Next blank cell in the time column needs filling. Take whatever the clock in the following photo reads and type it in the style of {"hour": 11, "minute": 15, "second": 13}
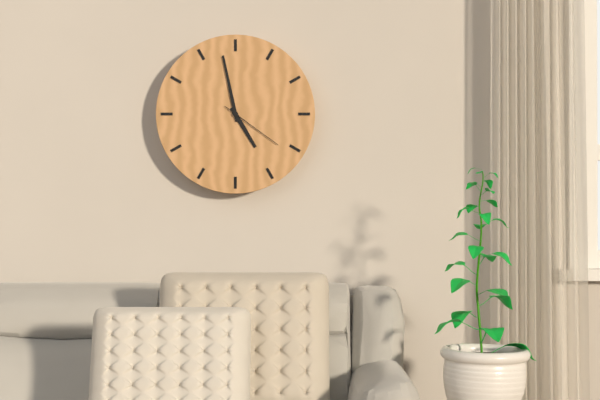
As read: {"hour": 4, "minute": 58, "second": 21}
